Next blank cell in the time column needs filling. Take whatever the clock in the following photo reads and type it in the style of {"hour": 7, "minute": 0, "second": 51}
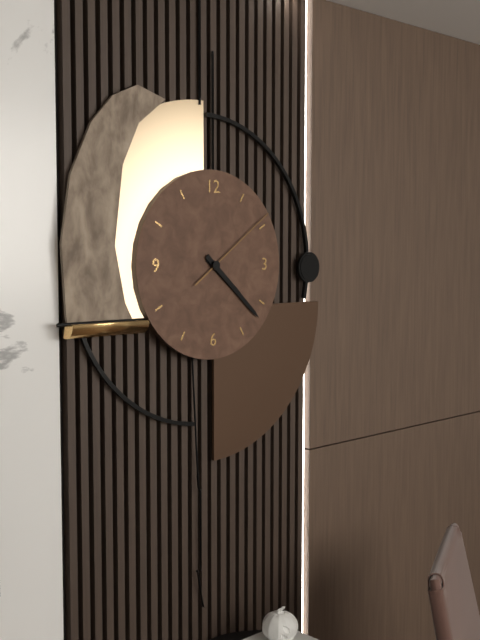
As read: {"hour": 4, "minute": 22, "second": 9}
